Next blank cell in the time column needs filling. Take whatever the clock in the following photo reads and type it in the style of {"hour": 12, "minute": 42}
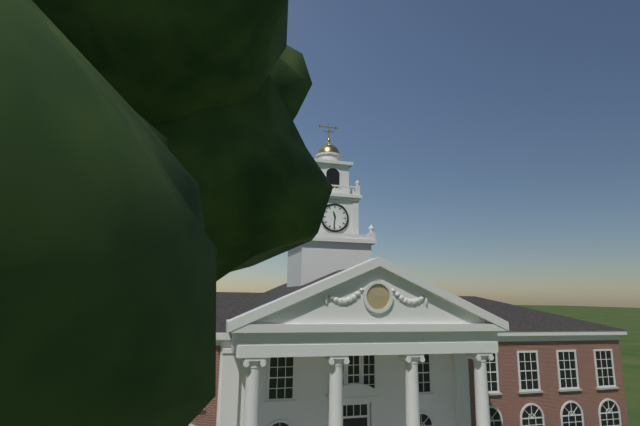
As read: {"hour": 11, "minute": 31}
